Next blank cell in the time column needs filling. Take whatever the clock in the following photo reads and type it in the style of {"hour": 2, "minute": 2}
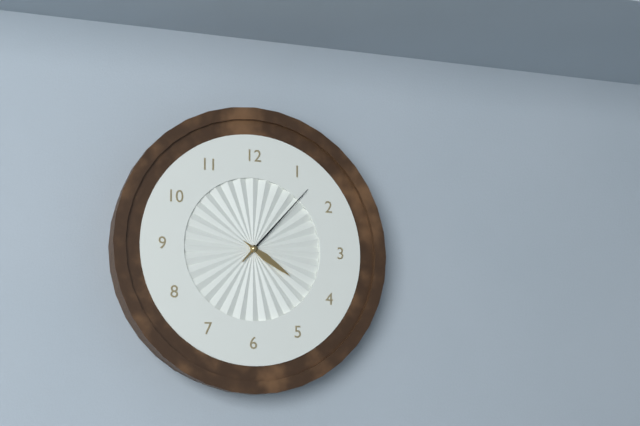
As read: {"hour": 4, "minute": 7}
